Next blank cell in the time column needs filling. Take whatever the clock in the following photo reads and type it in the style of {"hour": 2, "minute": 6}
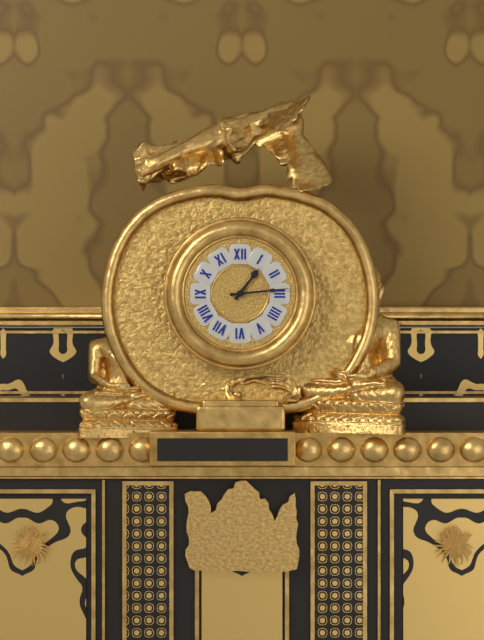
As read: {"hour": 1, "minute": 14}
